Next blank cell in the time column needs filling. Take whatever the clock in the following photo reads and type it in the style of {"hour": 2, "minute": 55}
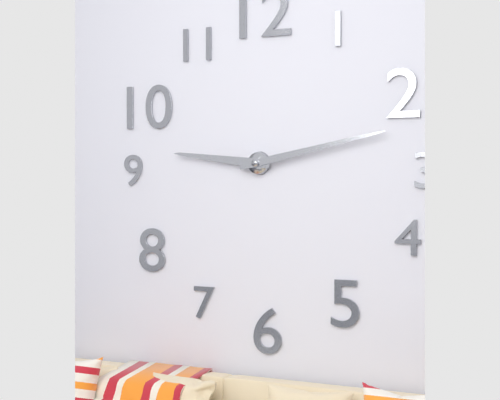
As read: {"hour": 9, "minute": 13}
